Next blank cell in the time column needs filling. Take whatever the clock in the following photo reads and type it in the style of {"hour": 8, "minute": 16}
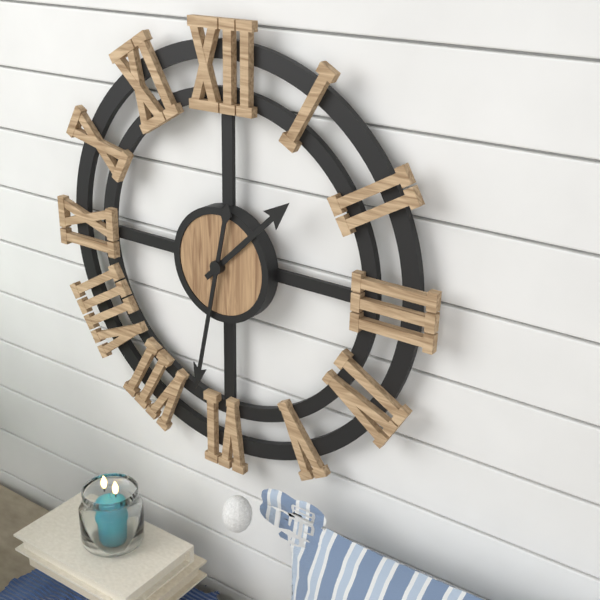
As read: {"hour": 1, "minute": 32}
